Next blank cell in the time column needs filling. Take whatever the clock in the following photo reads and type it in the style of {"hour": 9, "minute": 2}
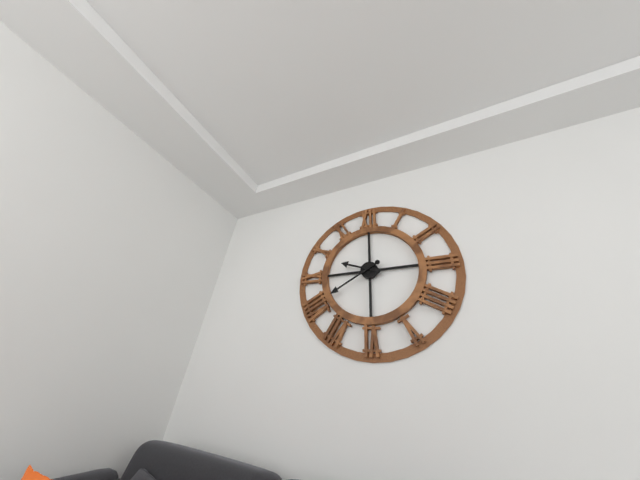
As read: {"hour": 9, "minute": 40}
